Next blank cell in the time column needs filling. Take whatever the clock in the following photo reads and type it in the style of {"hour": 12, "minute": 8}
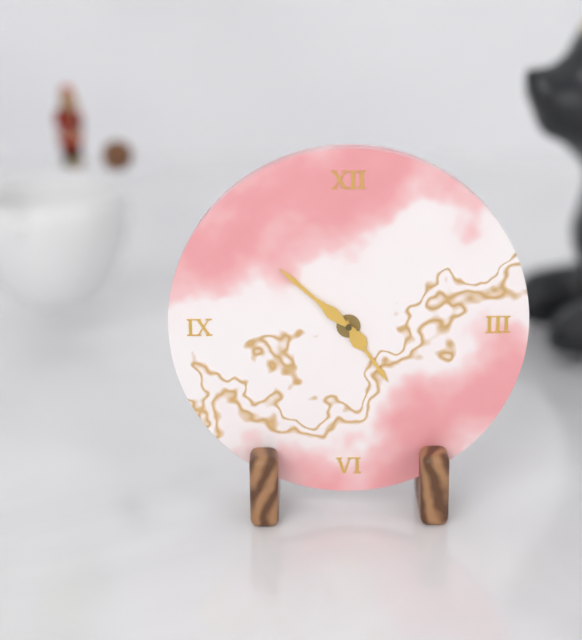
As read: {"hour": 4, "minute": 52}
